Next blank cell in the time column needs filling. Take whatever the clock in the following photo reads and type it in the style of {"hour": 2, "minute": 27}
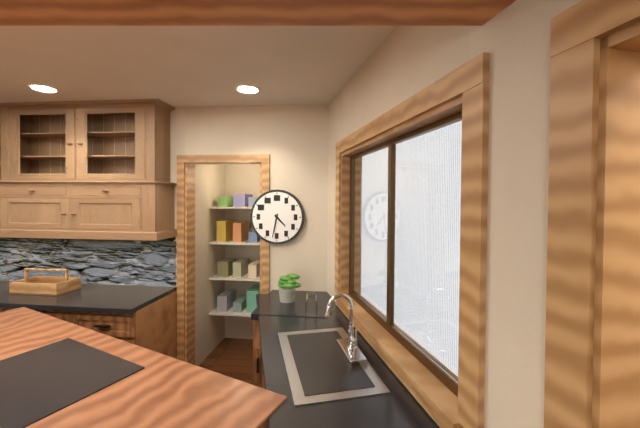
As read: {"hour": 4, "minute": 32}
